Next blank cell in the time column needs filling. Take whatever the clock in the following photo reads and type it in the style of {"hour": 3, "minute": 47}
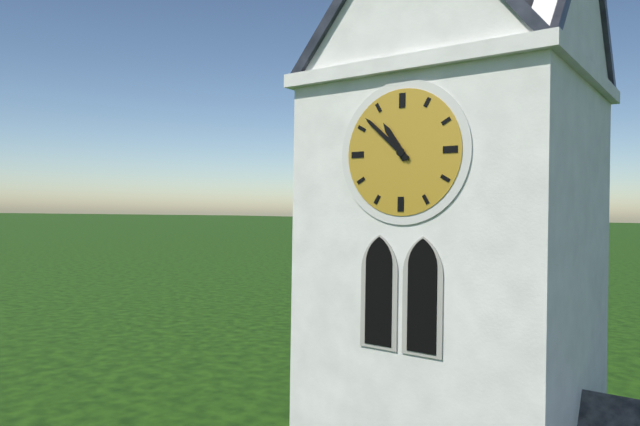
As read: {"hour": 10, "minute": 52}
